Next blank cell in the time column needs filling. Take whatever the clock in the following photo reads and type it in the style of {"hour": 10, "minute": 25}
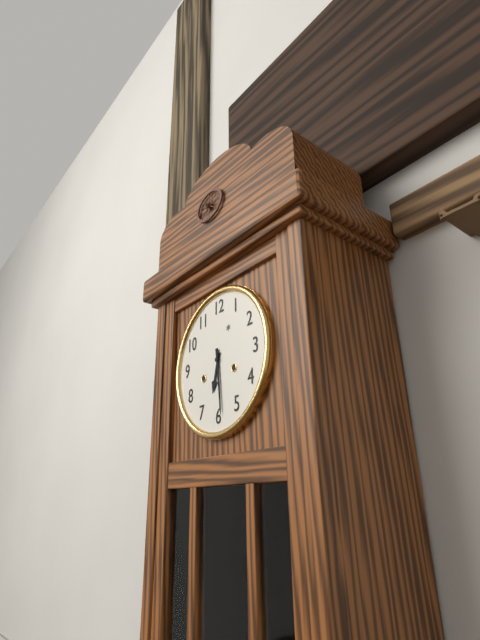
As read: {"hour": 6, "minute": 29}
